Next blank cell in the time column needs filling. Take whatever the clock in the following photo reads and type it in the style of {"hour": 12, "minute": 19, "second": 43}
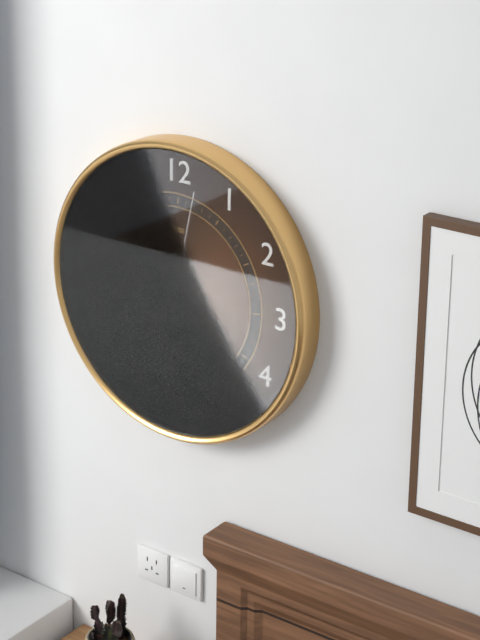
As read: {"hour": 5, "minute": 28, "second": 2}
